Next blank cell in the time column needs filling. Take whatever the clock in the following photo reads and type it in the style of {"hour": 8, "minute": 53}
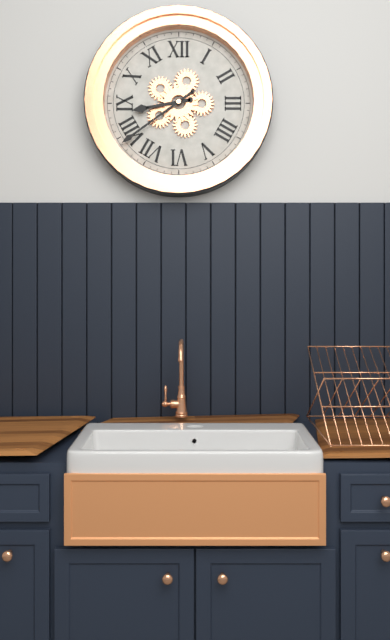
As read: {"hour": 8, "minute": 39}
